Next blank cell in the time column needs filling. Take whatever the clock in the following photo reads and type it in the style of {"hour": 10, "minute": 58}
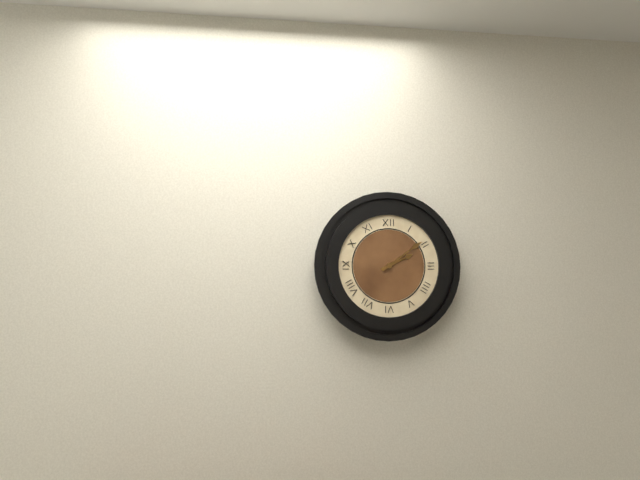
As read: {"hour": 2, "minute": 9}
